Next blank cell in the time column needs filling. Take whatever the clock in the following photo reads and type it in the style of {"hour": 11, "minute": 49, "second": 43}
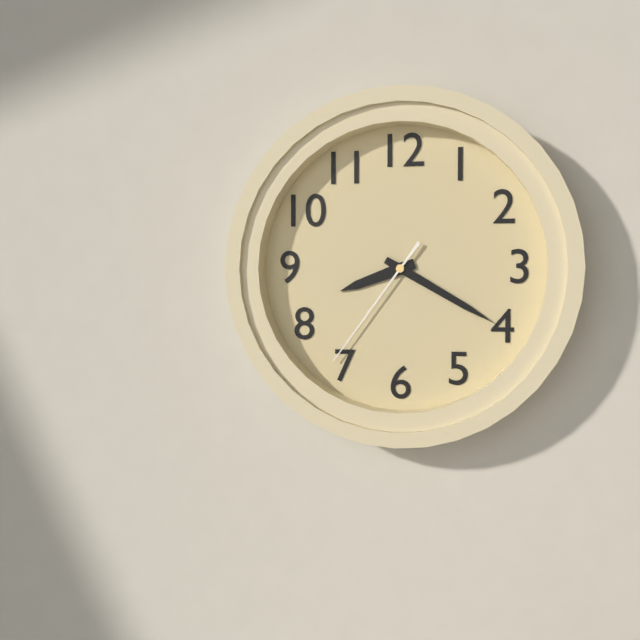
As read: {"hour": 8, "minute": 20, "second": 36}
